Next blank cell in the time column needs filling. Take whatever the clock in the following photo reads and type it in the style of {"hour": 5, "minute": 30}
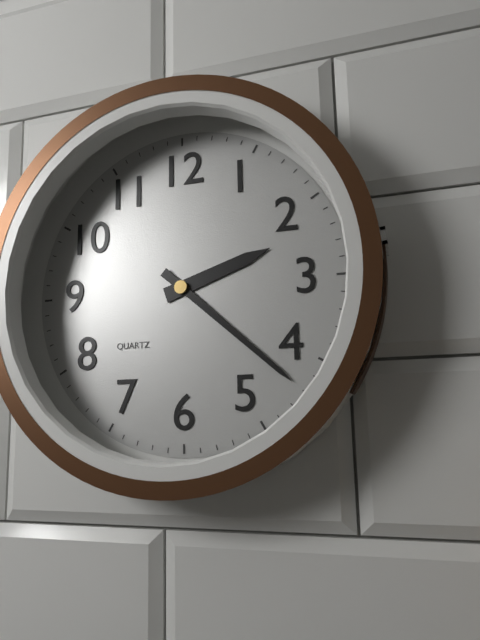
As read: {"hour": 2, "minute": 22}
